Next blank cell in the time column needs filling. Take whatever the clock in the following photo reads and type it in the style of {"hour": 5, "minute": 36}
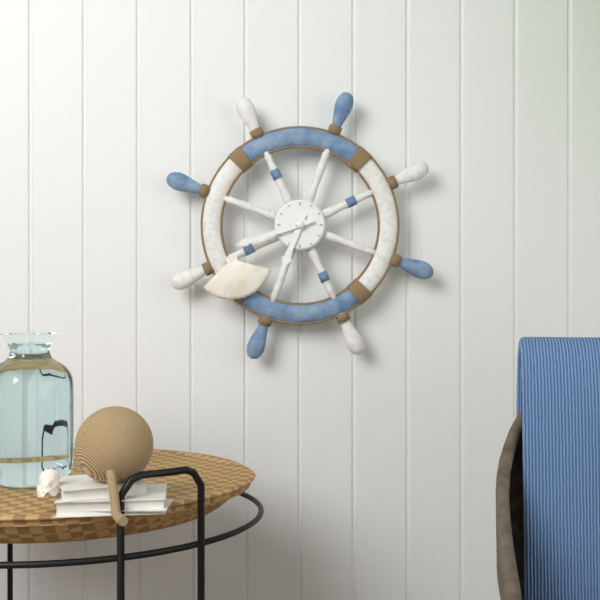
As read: {"hour": 6, "minute": 42}
